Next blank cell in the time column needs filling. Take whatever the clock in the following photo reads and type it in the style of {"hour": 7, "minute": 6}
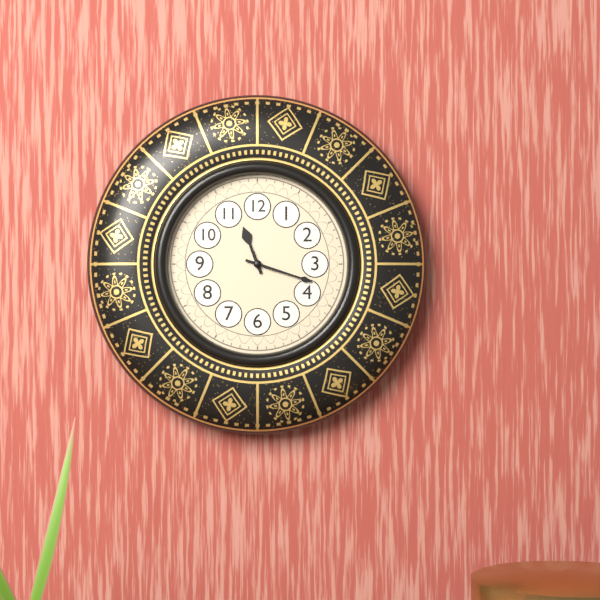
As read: {"hour": 11, "minute": 18}
